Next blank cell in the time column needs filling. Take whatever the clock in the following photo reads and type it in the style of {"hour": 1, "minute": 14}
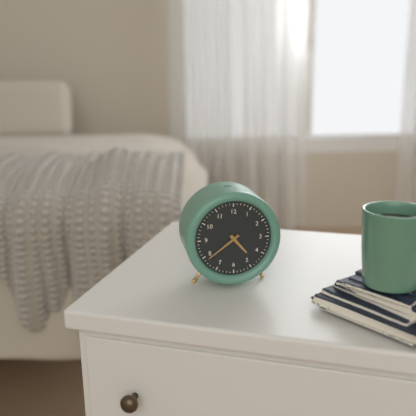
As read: {"hour": 4, "minute": 39}
